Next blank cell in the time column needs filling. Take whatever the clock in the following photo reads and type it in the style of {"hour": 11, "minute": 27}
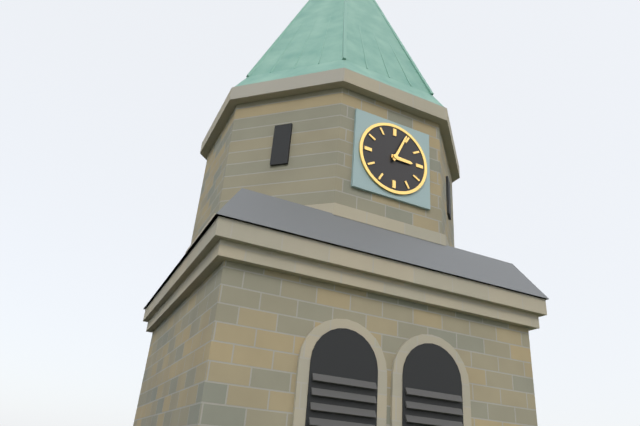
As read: {"hour": 3, "minute": 4}
